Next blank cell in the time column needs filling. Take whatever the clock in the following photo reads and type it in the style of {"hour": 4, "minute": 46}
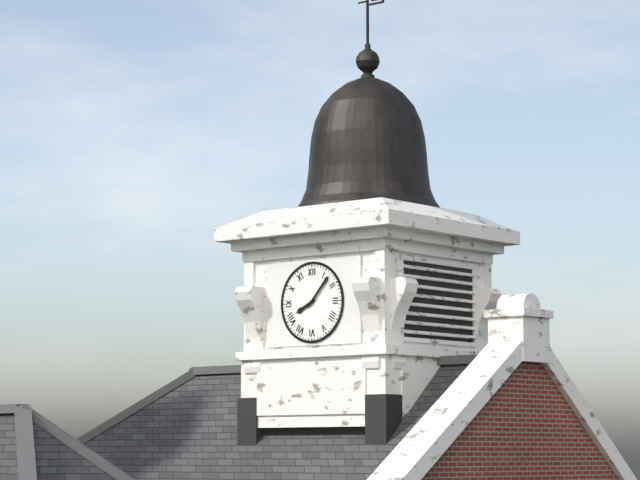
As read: {"hour": 8, "minute": 7}
